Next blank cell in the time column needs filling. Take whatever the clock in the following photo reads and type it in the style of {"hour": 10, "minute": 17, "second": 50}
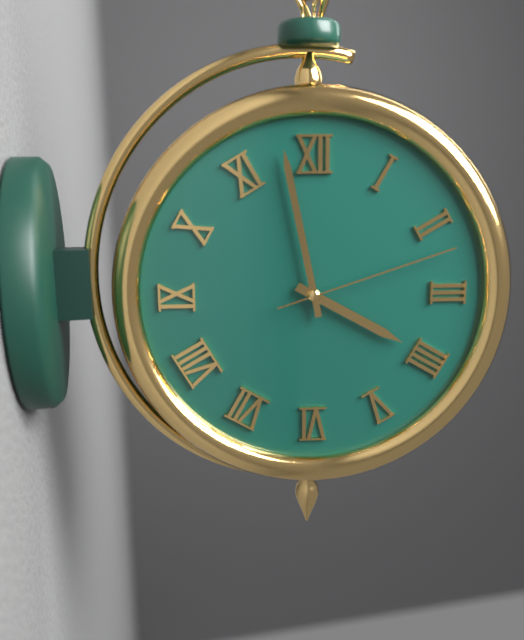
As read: {"hour": 3, "minute": 58, "second": 12}
